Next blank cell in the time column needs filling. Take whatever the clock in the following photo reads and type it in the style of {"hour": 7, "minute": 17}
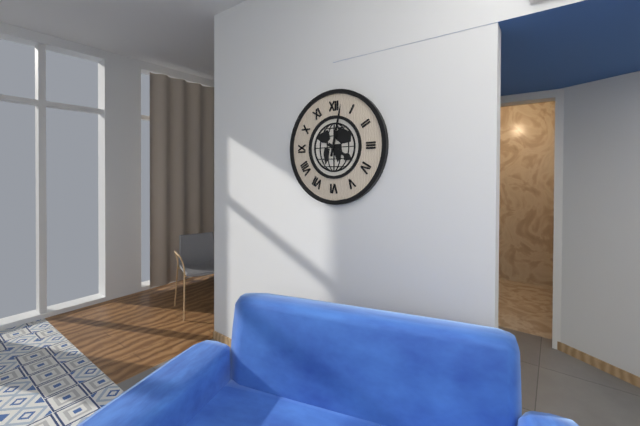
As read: {"hour": 4, "minute": 2}
